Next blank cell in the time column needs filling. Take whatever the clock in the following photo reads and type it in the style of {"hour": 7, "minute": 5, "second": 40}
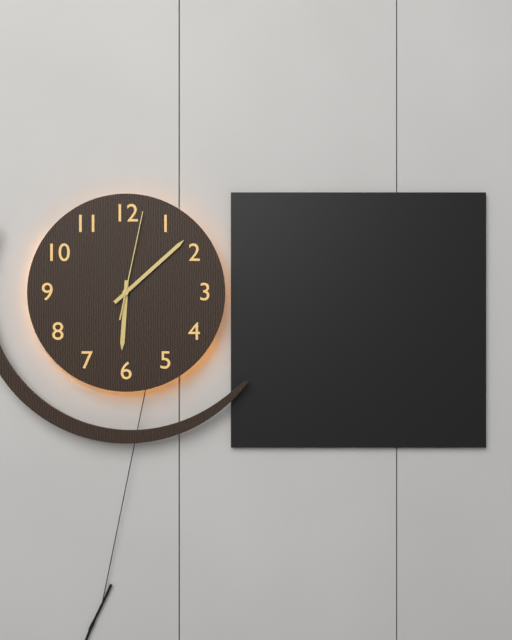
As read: {"hour": 6, "minute": 8, "second": 2}
